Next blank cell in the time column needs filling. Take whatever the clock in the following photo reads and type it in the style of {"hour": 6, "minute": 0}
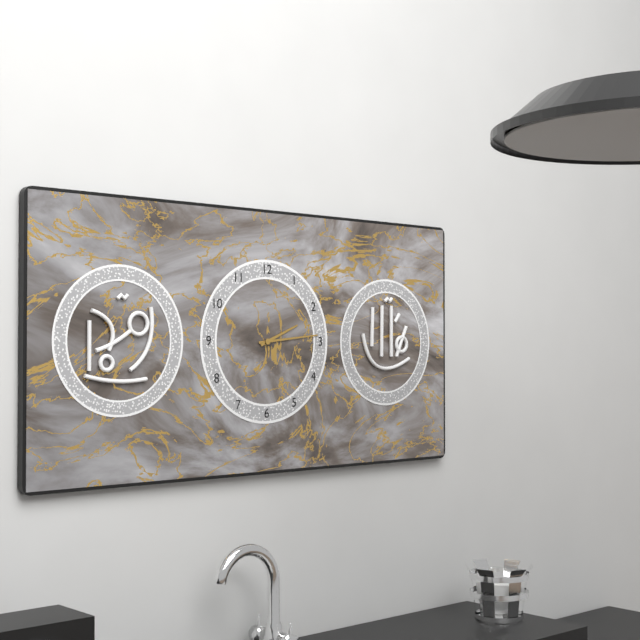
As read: {"hour": 2, "minute": 14}
